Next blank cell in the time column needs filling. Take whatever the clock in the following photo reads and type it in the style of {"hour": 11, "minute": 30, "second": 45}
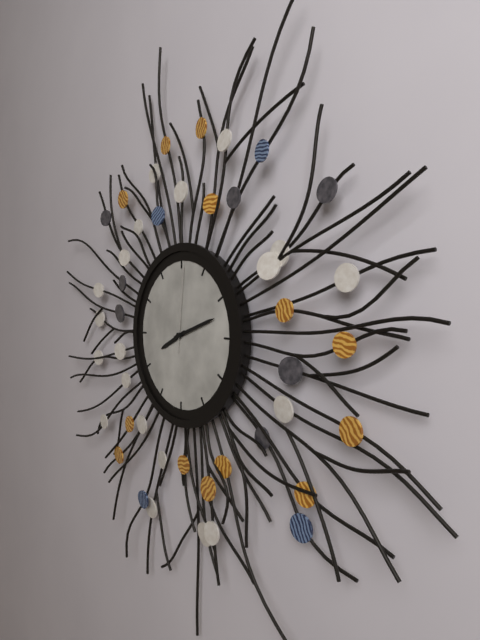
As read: {"hour": 8, "minute": 12, "second": 1}
